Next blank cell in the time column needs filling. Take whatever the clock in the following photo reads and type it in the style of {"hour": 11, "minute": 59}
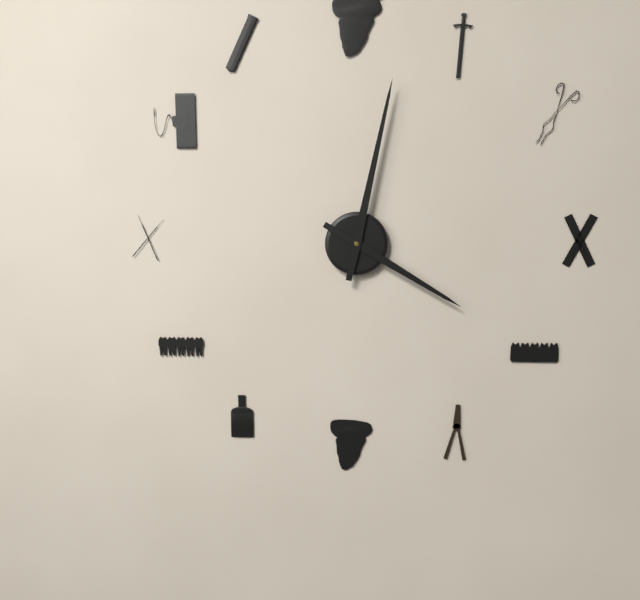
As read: {"hour": 4, "minute": 2}
